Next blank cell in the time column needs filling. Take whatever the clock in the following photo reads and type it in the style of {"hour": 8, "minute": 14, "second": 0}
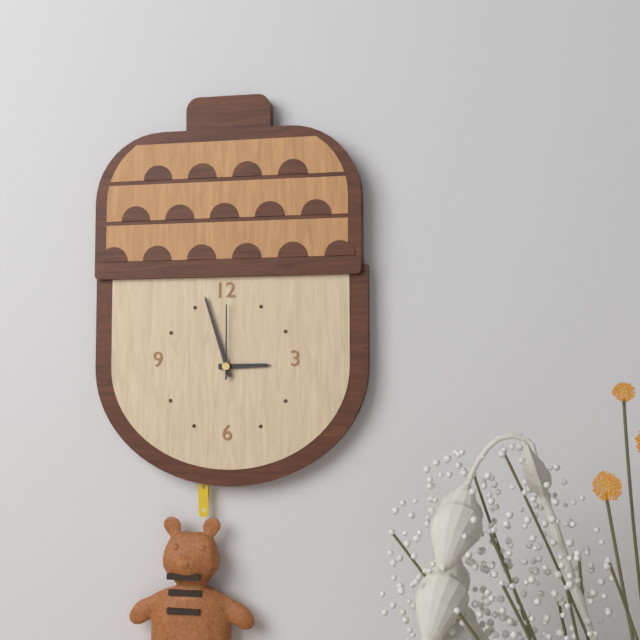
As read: {"hour": 2, "minute": 57, "second": 0}
